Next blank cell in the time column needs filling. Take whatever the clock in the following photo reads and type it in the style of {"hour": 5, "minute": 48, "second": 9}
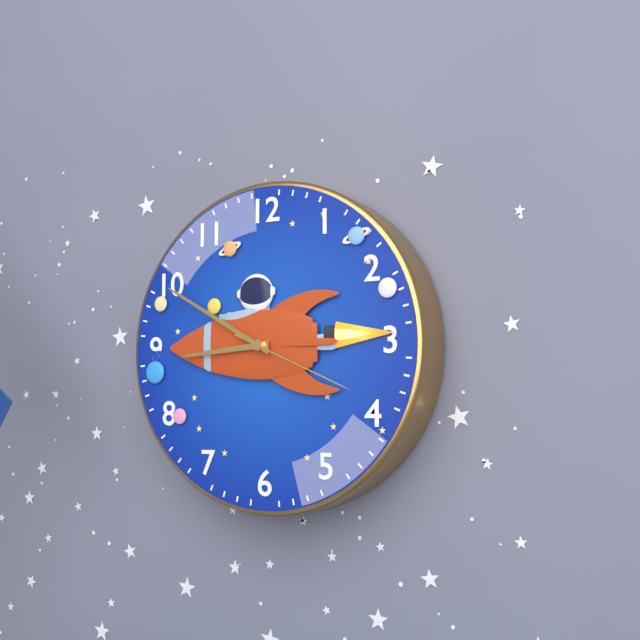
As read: {"hour": 8, "minute": 50, "second": 19}
